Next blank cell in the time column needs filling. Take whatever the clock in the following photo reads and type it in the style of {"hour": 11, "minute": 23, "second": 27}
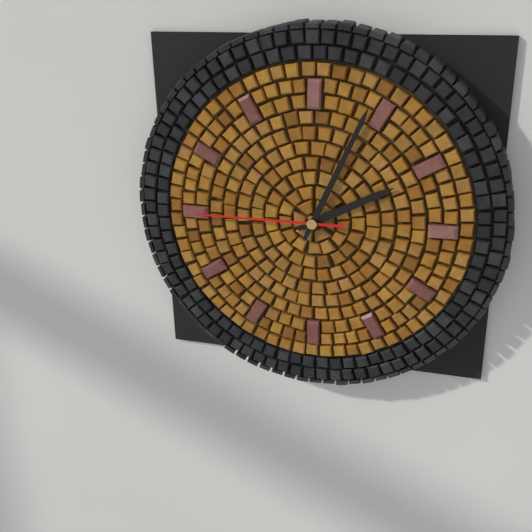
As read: {"hour": 2, "minute": 4, "second": 45}
